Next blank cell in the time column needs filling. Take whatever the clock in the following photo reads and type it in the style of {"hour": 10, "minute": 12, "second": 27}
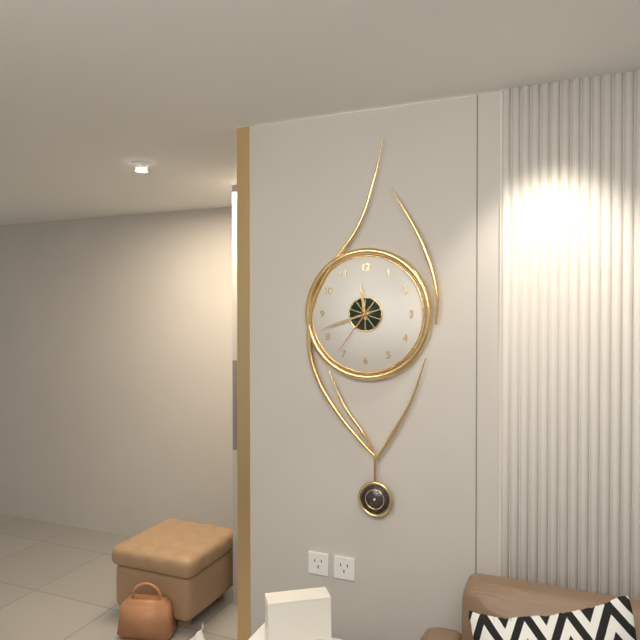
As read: {"hour": 11, "minute": 42, "second": 36}
